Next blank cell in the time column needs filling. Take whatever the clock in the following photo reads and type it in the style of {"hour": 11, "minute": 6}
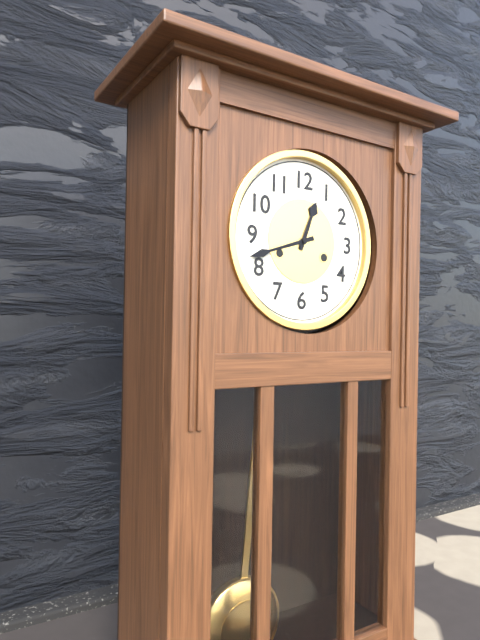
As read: {"hour": 12, "minute": 42}
